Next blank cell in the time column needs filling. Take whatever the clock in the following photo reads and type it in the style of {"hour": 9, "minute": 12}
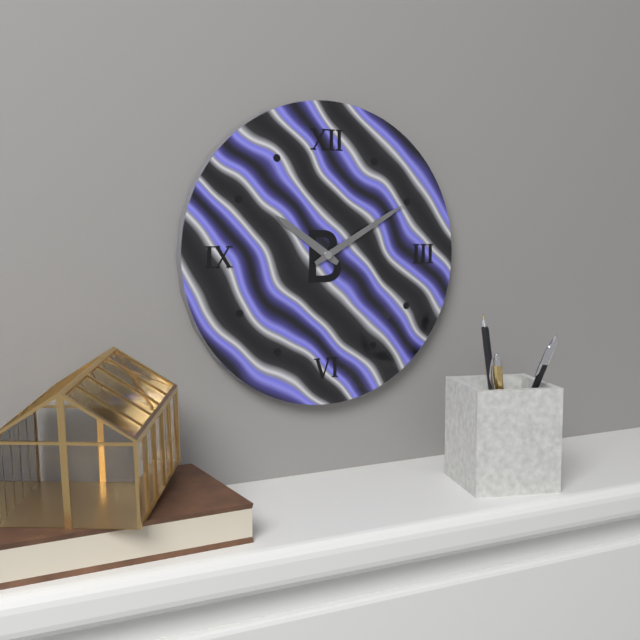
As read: {"hour": 10, "minute": 10}
